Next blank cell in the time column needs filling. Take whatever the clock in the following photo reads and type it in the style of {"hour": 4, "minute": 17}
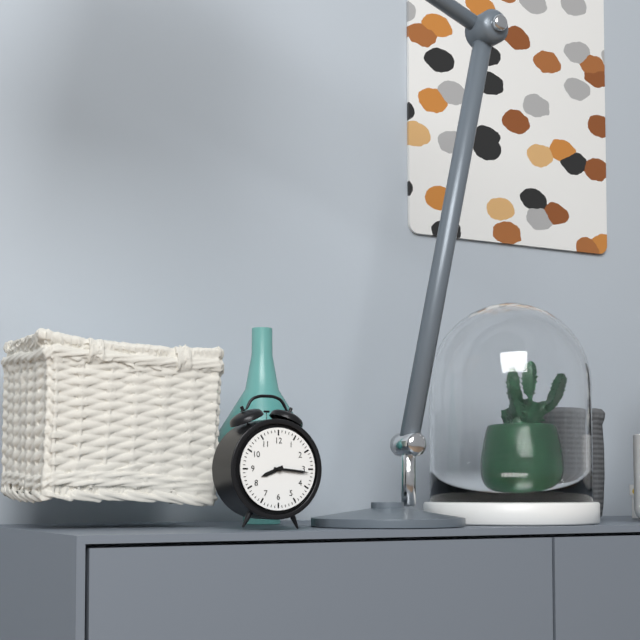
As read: {"hour": 8, "minute": 16}
